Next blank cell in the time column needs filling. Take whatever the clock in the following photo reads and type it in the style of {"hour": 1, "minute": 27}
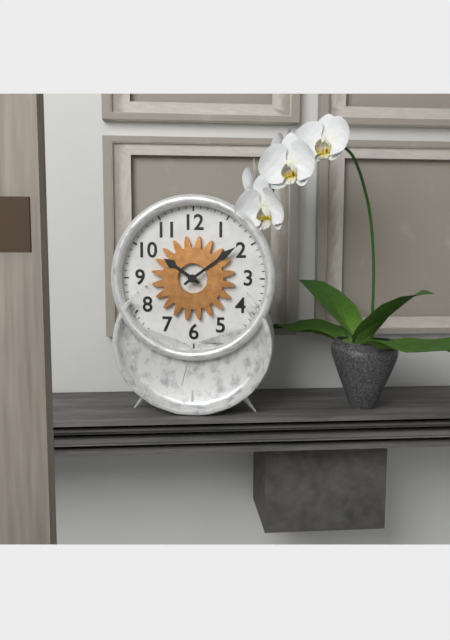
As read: {"hour": 10, "minute": 9}
